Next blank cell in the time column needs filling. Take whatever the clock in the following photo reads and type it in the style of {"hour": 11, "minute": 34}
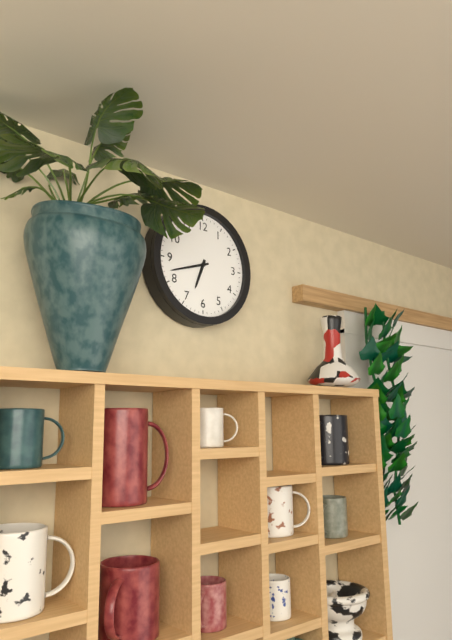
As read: {"hour": 6, "minute": 42}
